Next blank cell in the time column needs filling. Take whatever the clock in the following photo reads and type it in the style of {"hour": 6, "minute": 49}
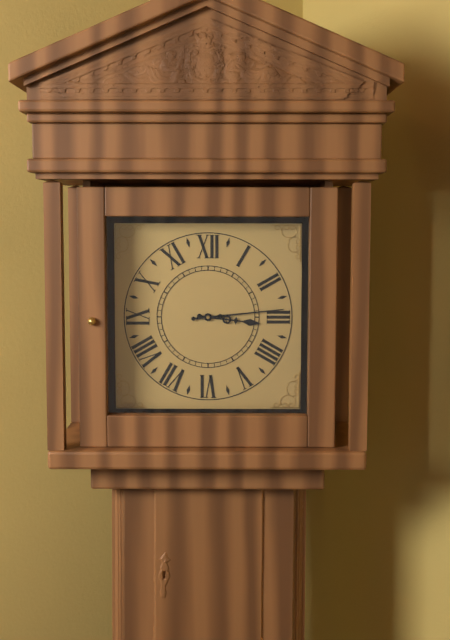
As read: {"hour": 3, "minute": 14}
